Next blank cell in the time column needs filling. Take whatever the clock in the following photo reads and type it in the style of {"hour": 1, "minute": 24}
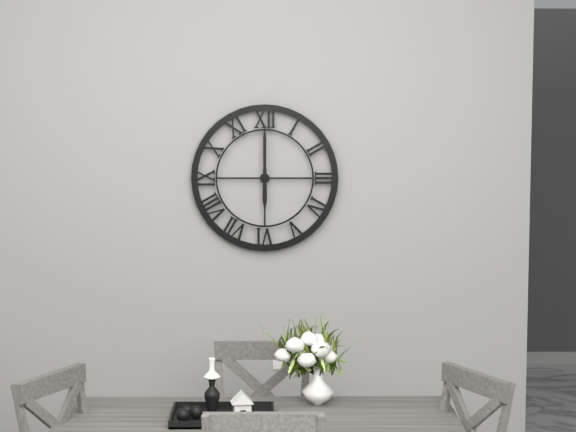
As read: {"hour": 6, "minute": 0}
